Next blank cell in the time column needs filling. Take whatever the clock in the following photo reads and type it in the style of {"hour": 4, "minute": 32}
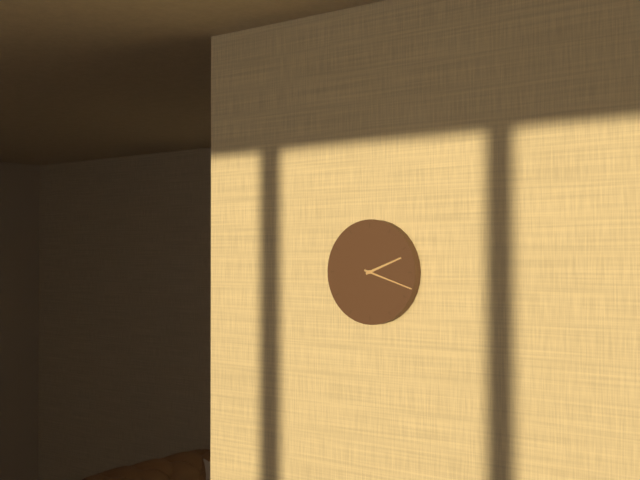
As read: {"hour": 2, "minute": 18}
